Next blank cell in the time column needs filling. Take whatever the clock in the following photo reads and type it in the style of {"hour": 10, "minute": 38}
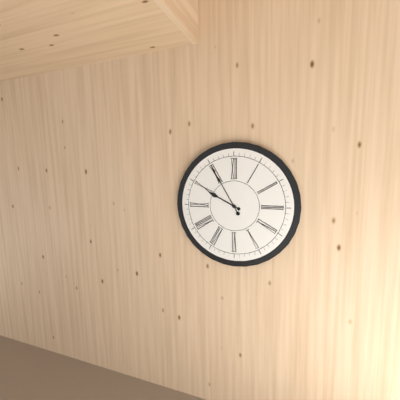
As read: {"hour": 9, "minute": 55}
